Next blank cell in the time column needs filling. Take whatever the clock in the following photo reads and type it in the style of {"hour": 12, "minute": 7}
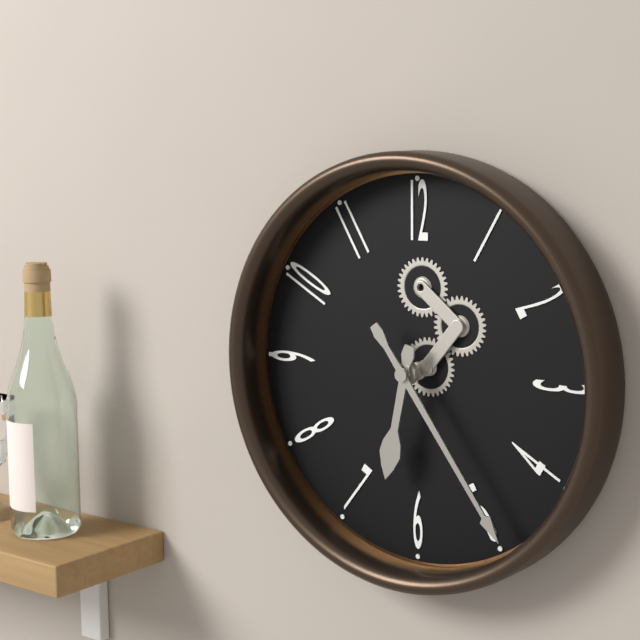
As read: {"hour": 6, "minute": 24}
